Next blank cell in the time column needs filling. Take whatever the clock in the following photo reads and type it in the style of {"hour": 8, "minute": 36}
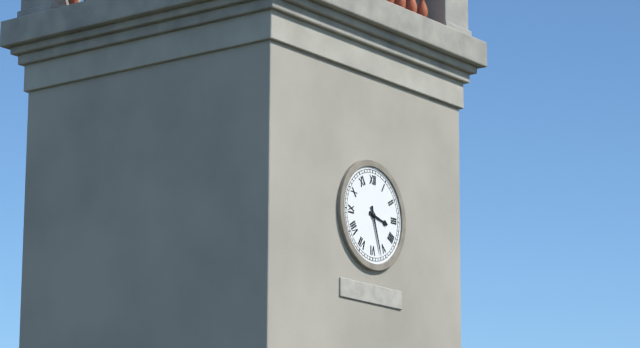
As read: {"hour": 3, "minute": 27}
